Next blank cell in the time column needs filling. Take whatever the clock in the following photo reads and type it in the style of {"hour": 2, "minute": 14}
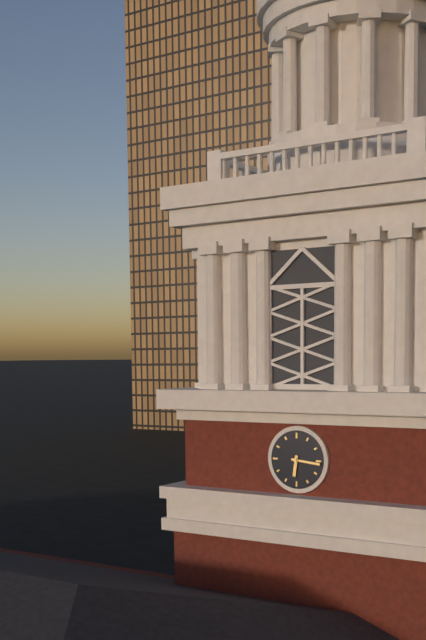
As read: {"hour": 6, "minute": 16}
